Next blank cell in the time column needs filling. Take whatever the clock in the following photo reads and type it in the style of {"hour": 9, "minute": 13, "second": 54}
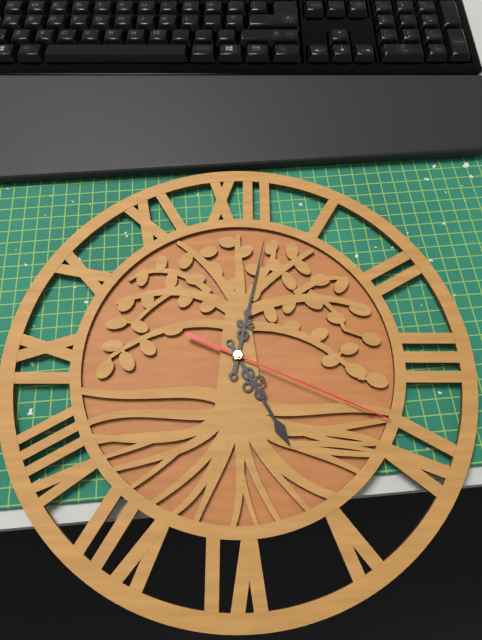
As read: {"hour": 5, "minute": 2, "second": 19}
